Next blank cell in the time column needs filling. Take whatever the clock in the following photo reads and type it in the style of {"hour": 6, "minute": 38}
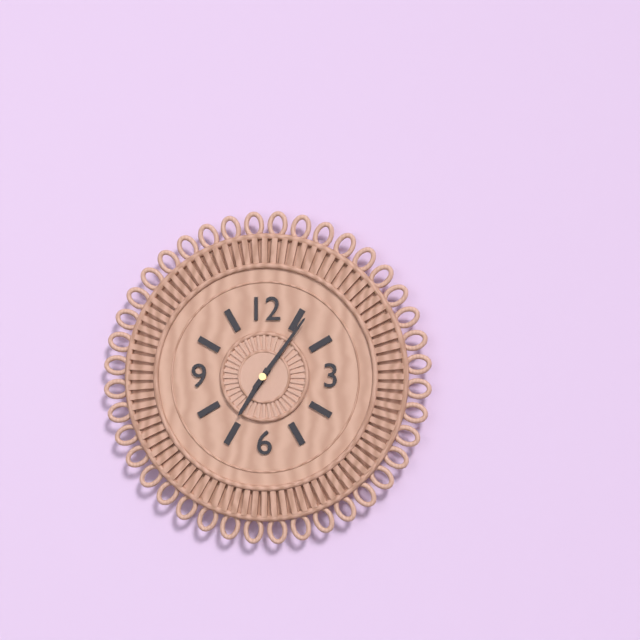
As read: {"hour": 7, "minute": 6}
